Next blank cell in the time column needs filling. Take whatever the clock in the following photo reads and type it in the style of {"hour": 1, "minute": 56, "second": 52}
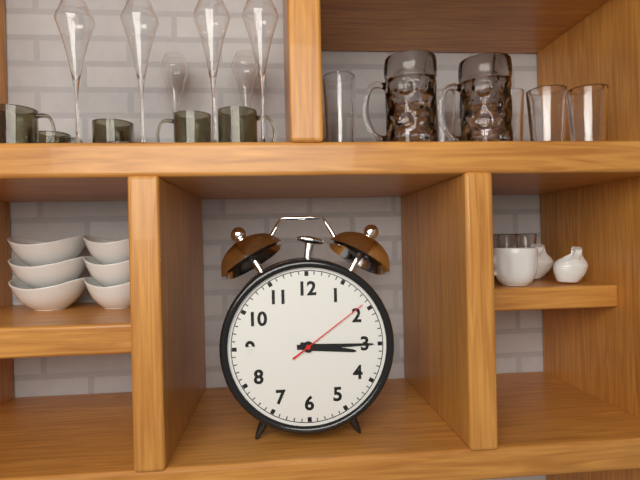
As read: {"hour": 3, "minute": 15, "second": 9}
